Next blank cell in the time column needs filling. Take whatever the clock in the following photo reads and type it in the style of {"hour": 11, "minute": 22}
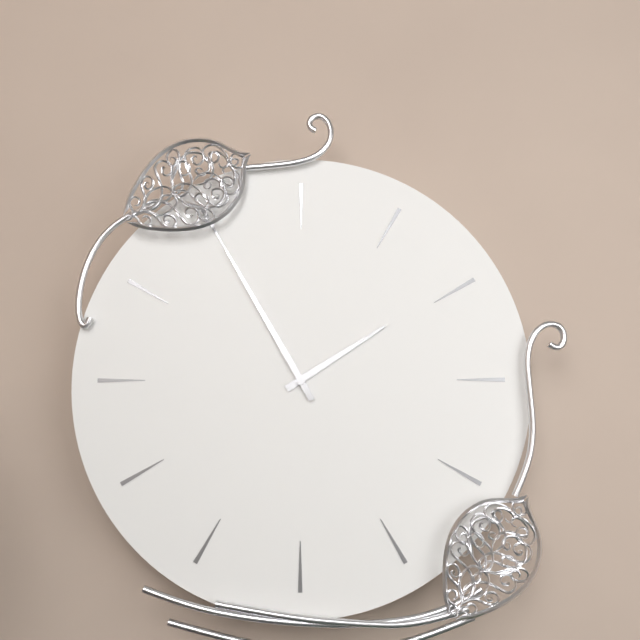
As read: {"hour": 1, "minute": 55}
